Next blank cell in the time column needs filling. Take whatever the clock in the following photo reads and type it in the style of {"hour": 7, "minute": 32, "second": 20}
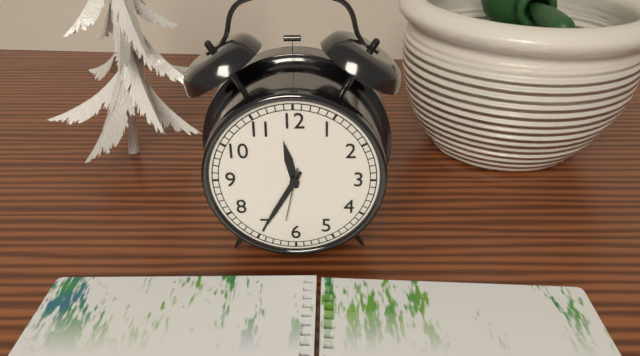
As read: {"hour": 11, "minute": 35, "second": 32}
